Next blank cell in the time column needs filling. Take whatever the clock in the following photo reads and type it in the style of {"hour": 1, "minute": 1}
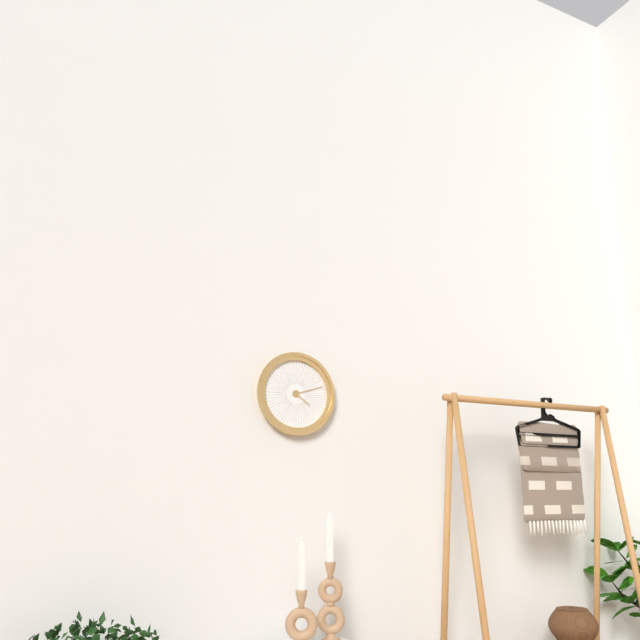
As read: {"hour": 4, "minute": 12}
